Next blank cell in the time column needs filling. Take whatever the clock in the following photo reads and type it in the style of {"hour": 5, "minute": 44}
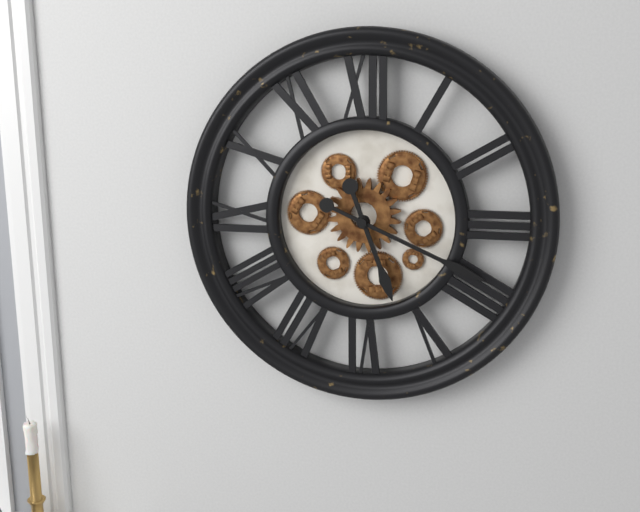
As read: {"hour": 5, "minute": 19}
